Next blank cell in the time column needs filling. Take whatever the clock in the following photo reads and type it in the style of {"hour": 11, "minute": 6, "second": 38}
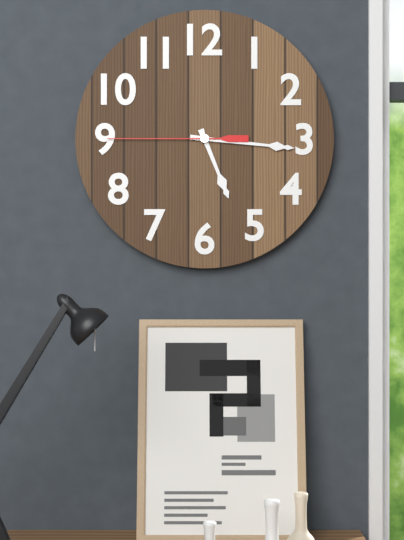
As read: {"hour": 5, "minute": 16, "second": 45}
